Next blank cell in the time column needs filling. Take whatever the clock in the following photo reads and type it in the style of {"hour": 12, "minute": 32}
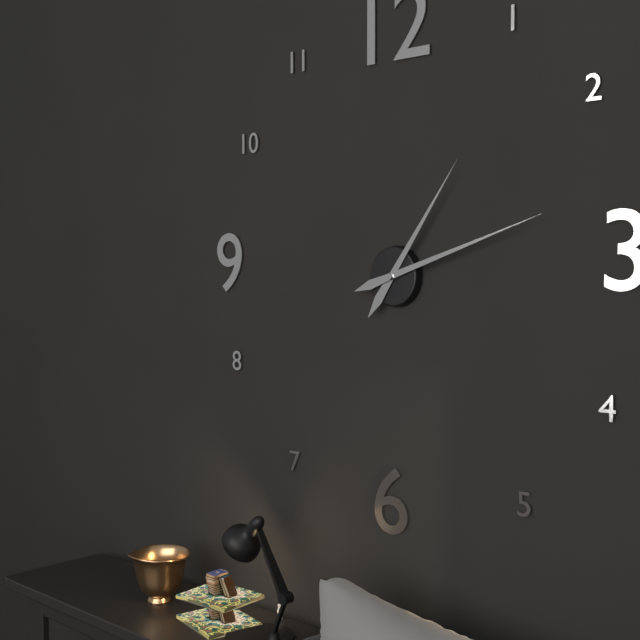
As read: {"hour": 1, "minute": 12}
